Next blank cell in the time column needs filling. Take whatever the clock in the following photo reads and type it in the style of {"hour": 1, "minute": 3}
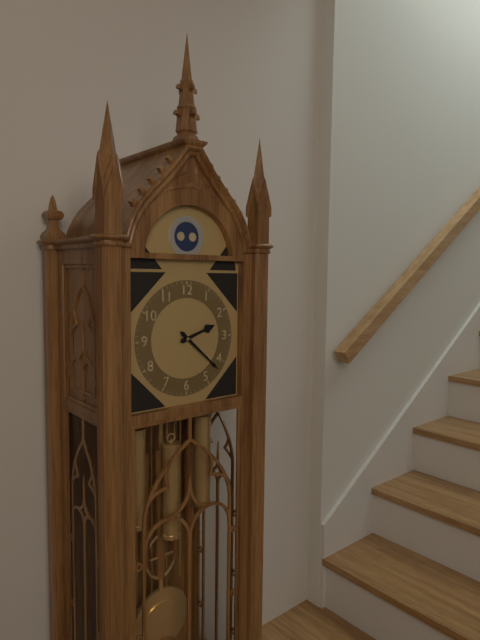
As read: {"hour": 2, "minute": 22}
